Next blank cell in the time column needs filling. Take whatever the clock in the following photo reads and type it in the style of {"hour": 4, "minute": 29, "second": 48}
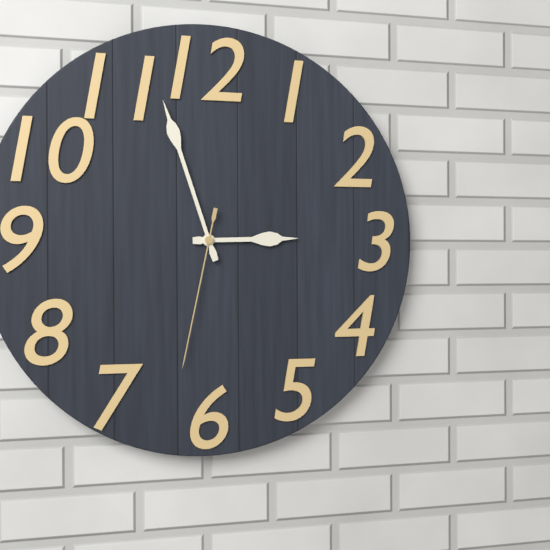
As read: {"hour": 2, "minute": 57, "second": 32}
